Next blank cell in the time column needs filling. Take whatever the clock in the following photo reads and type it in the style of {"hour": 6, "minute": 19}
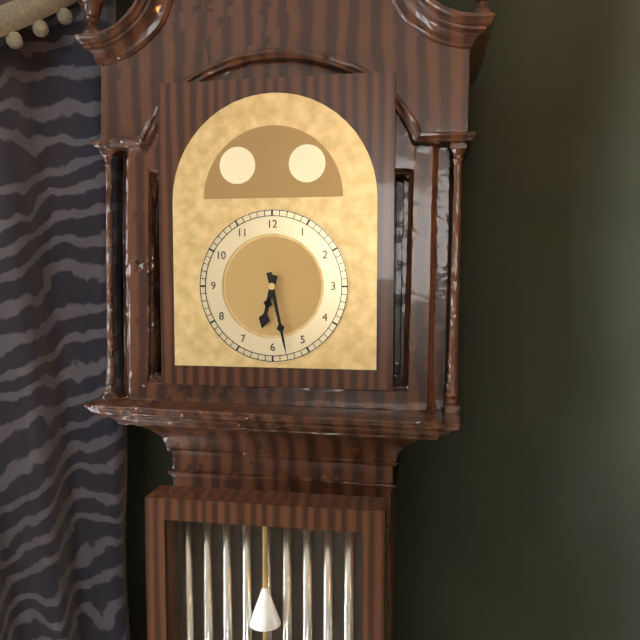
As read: {"hour": 6, "minute": 28}
